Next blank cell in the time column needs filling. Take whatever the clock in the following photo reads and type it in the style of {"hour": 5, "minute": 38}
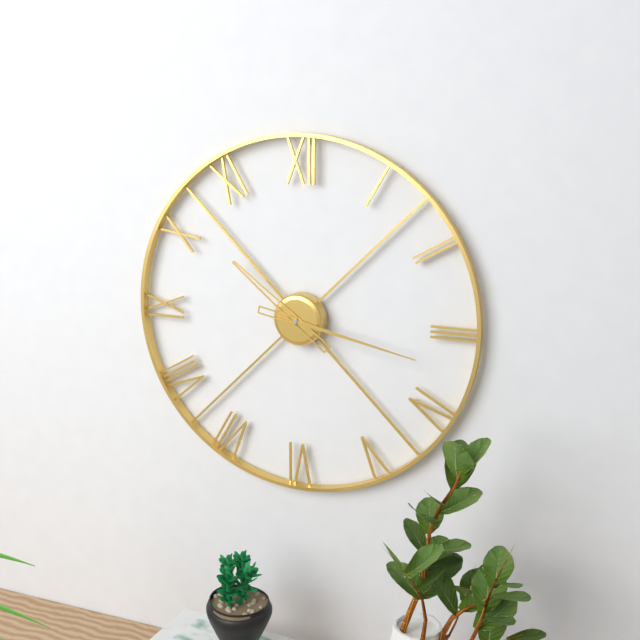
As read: {"hour": 10, "minute": 17}
